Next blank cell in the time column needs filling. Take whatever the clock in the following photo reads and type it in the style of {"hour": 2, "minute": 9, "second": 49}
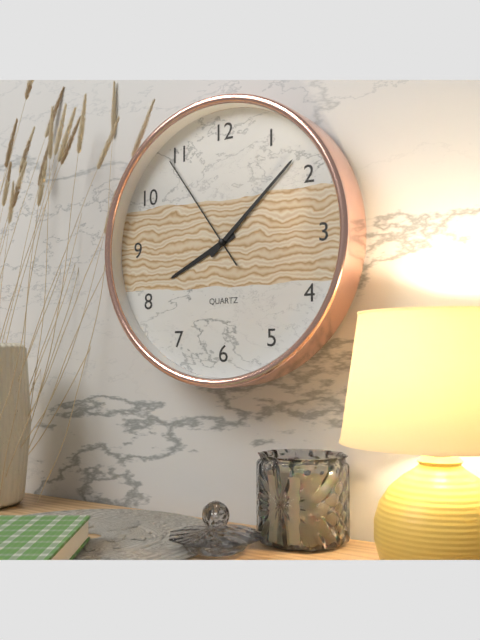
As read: {"hour": 8, "minute": 8, "second": 54}
